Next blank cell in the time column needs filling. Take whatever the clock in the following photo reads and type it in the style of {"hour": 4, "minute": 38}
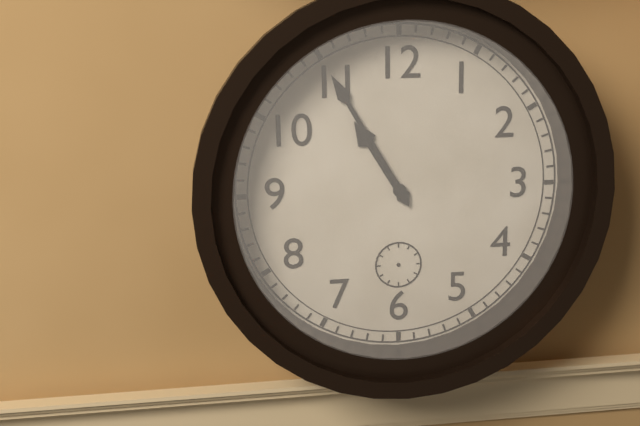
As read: {"hour": 10, "minute": 55}
